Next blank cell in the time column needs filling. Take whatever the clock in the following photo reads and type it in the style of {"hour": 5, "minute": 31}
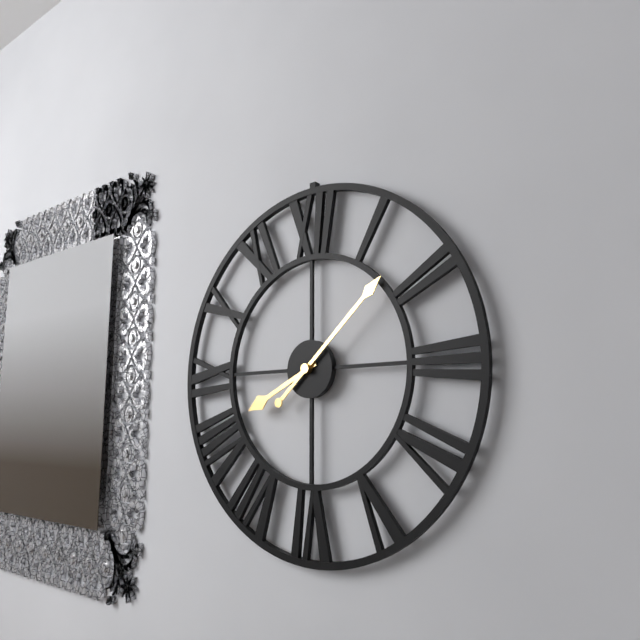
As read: {"hour": 8, "minute": 8}
